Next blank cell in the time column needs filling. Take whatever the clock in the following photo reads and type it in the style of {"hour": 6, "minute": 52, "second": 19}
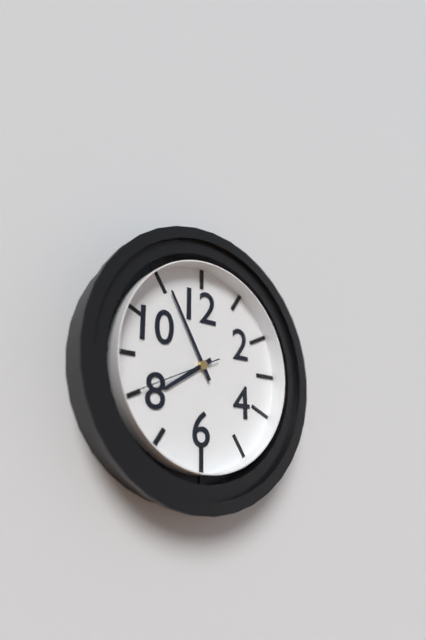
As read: {"hour": 7, "minute": 55, "second": 41}
